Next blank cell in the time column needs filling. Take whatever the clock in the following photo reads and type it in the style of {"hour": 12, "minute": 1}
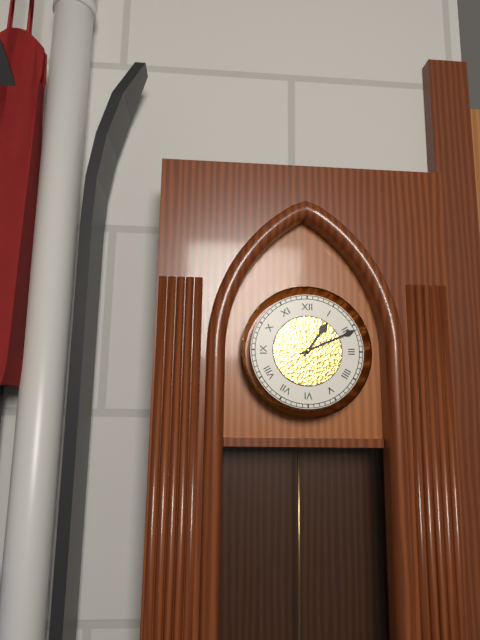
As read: {"hour": 1, "minute": 11}
